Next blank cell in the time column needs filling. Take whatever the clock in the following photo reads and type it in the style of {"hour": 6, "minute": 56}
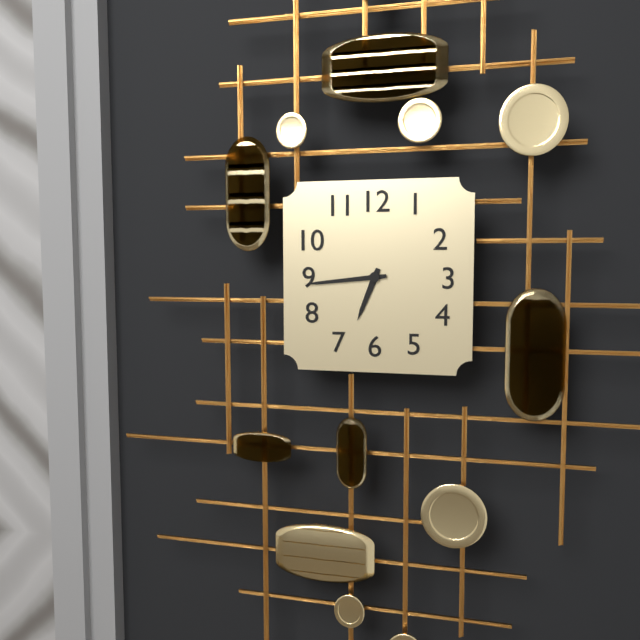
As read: {"hour": 6, "minute": 44}
